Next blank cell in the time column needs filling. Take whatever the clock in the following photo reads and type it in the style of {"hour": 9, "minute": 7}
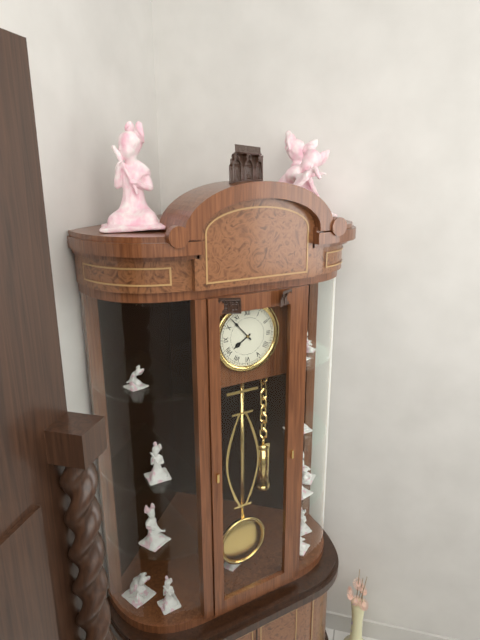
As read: {"hour": 7, "minute": 53}
